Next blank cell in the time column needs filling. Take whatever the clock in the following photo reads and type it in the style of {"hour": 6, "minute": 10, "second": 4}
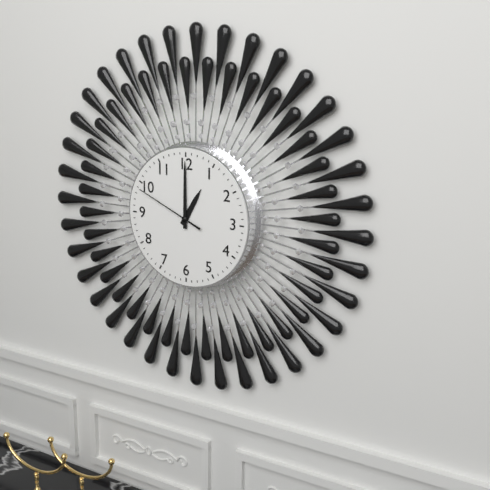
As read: {"hour": 1, "minute": 0, "second": 49}
